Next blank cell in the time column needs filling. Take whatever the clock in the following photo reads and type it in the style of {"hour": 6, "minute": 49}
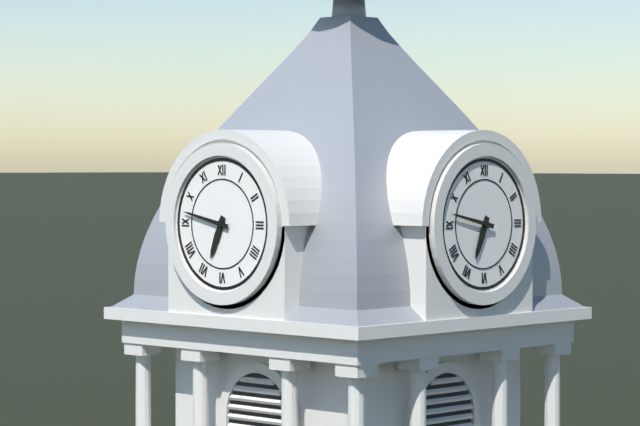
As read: {"hour": 6, "minute": 47}
